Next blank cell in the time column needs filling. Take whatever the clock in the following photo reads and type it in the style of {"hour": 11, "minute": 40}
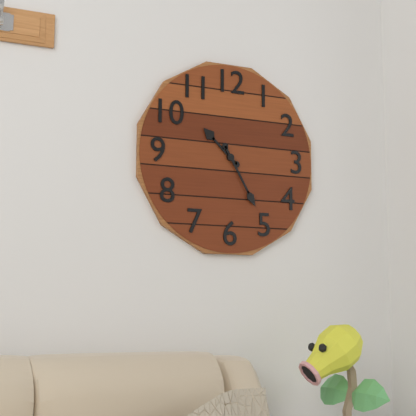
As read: {"hour": 10, "minute": 25}
